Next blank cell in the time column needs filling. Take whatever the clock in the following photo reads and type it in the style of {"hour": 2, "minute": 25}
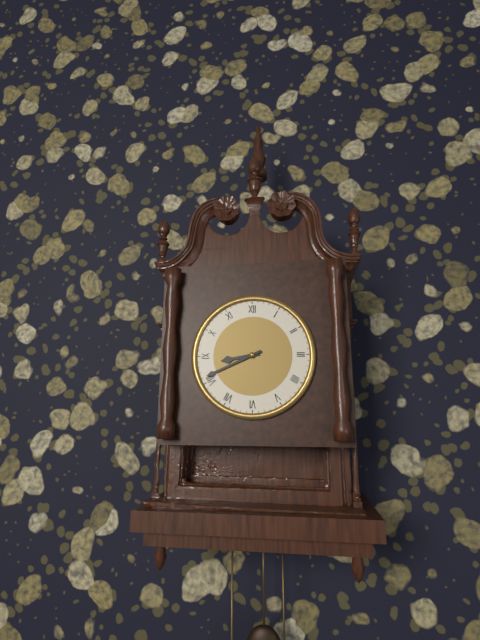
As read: {"hour": 8, "minute": 41}
